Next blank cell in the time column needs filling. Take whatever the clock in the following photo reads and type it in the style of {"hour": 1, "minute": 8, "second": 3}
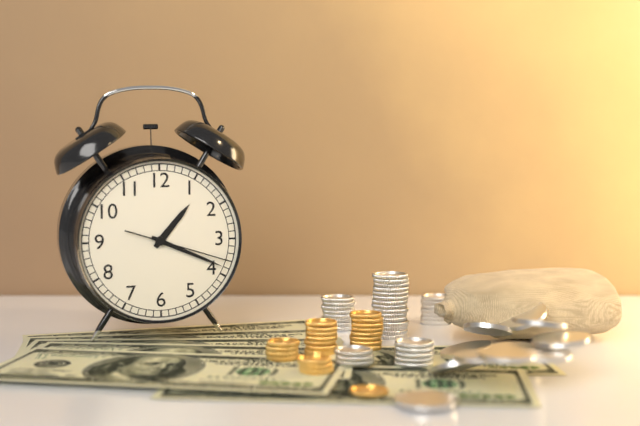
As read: {"hour": 1, "minute": 19, "second": 18}
